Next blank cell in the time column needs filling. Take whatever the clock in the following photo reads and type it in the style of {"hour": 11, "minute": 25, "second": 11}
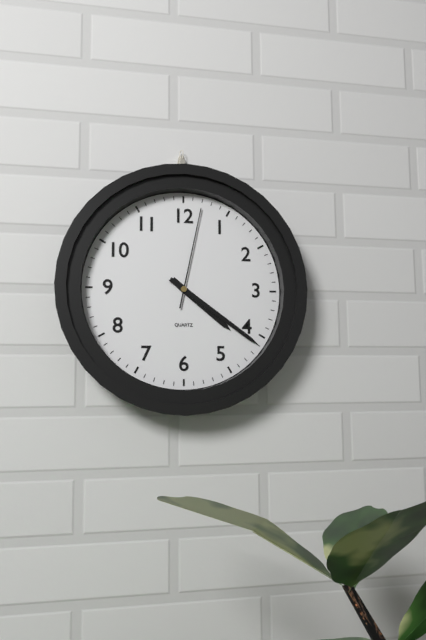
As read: {"hour": 4, "minute": 21, "second": 2}
